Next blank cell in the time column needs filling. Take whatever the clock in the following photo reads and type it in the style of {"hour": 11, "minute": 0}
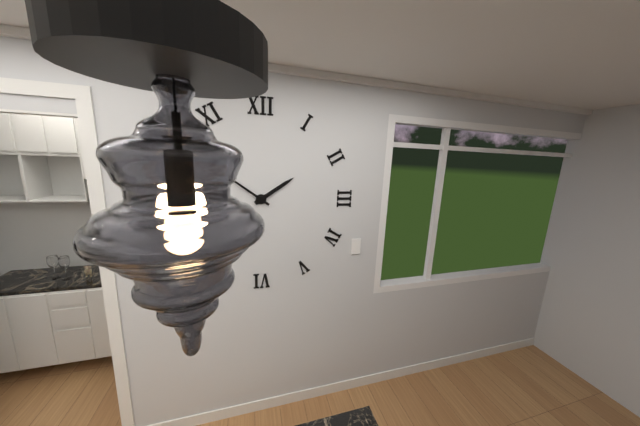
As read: {"hour": 1, "minute": 51}
